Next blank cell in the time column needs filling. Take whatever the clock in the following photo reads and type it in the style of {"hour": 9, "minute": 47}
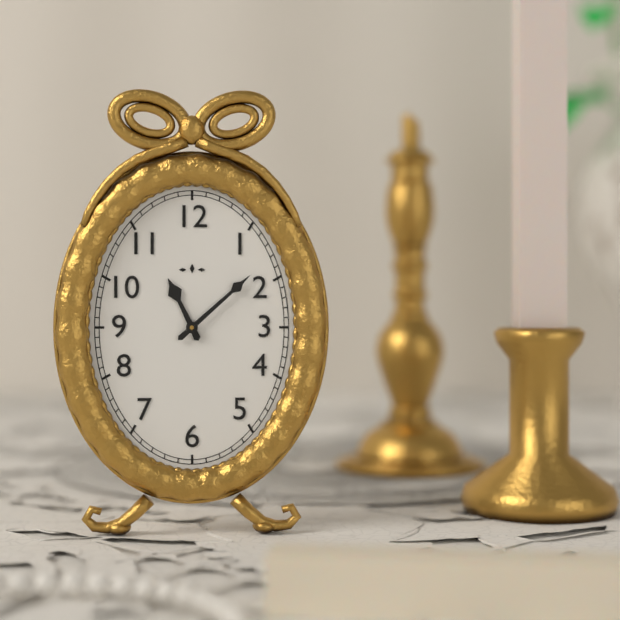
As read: {"hour": 11, "minute": 8}
